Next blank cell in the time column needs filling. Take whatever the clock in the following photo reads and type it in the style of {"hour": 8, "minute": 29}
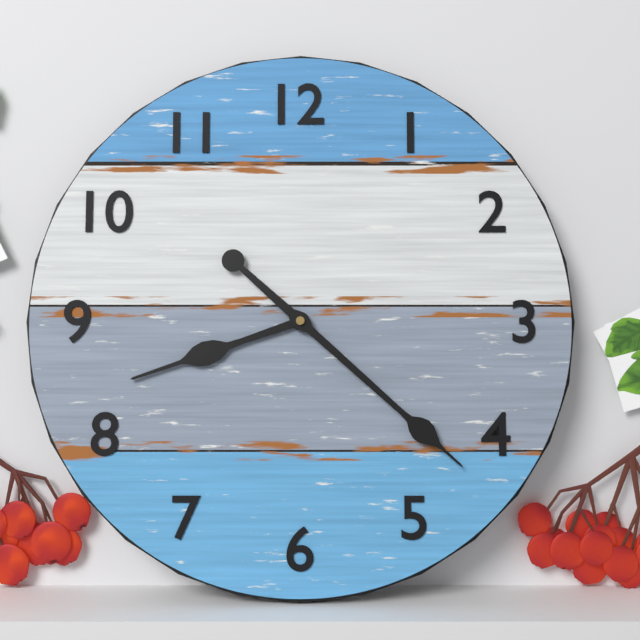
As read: {"hour": 8, "minute": 22}
